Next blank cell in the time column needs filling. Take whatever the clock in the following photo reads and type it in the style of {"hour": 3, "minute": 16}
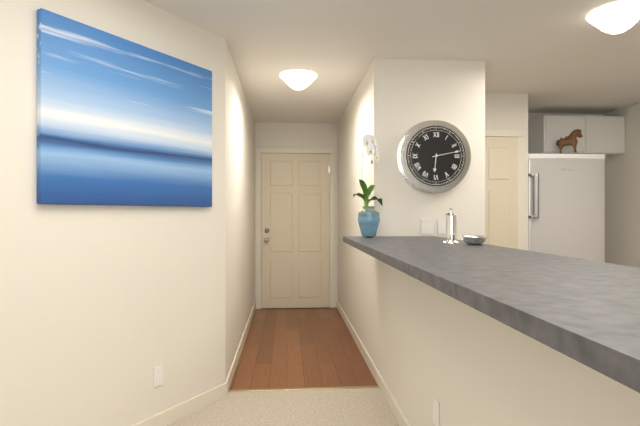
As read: {"hour": 6, "minute": 13}
